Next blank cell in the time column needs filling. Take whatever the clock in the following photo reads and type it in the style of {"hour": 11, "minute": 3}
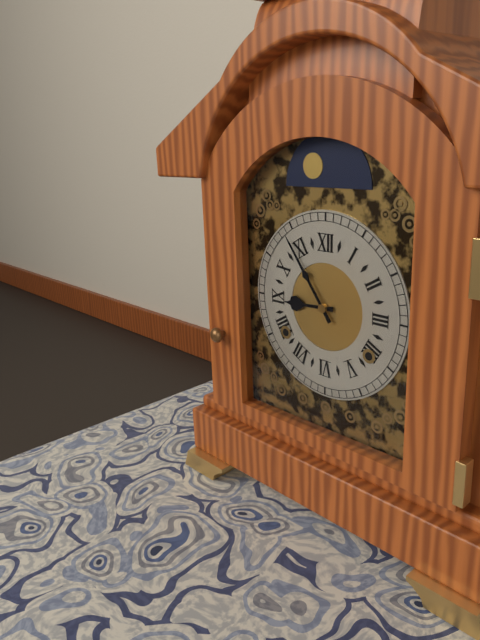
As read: {"hour": 8, "minute": 54}
